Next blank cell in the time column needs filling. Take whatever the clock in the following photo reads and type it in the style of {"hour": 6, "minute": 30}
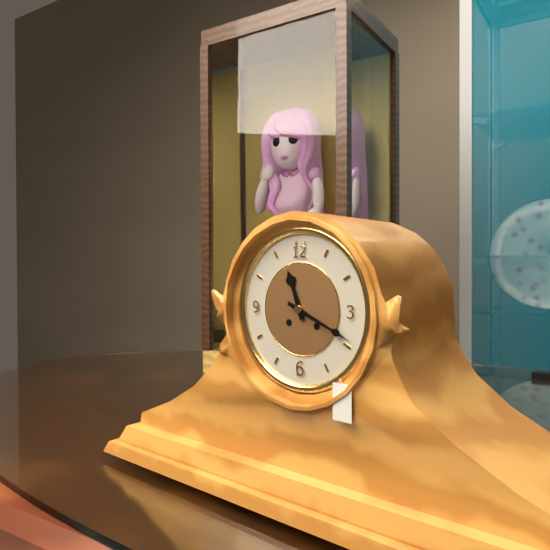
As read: {"hour": 11, "minute": 19}
